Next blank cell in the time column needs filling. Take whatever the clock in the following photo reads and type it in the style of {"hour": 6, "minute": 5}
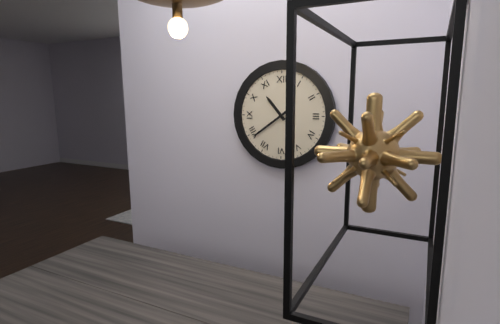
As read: {"hour": 10, "minute": 39}
